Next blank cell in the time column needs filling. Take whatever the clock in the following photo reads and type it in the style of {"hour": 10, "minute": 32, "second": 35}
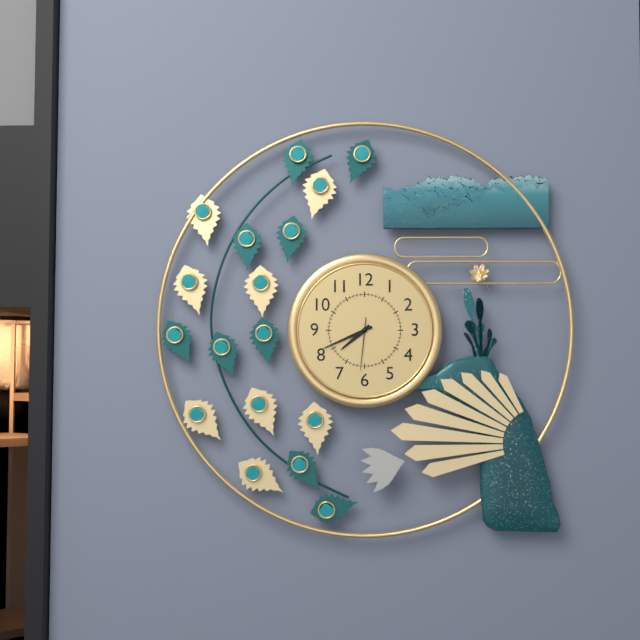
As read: {"hour": 7, "minute": 41, "second": 31}
